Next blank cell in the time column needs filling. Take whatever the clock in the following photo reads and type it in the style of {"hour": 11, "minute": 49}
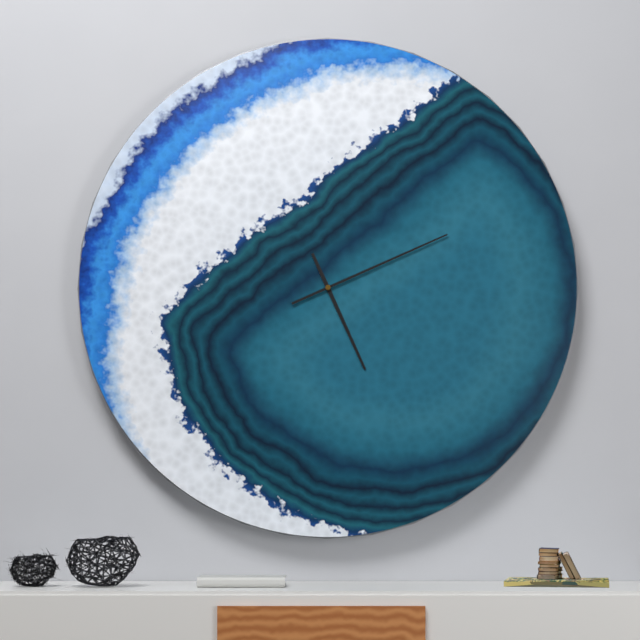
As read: {"hour": 5, "minute": 11}
